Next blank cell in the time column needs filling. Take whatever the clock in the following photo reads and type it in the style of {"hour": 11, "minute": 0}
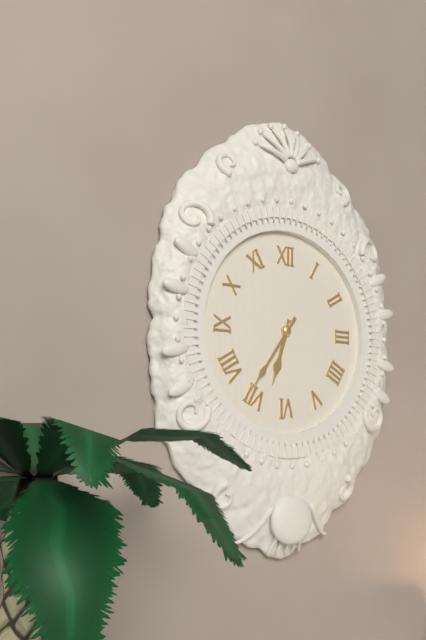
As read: {"hour": 6, "minute": 36}
